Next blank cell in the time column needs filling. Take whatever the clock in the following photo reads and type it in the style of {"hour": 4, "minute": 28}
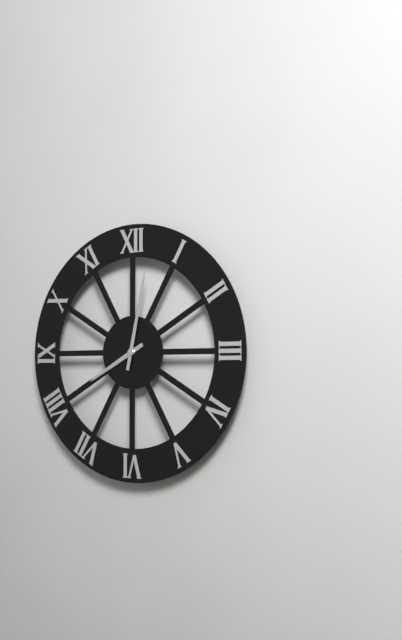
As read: {"hour": 8, "minute": 2}
